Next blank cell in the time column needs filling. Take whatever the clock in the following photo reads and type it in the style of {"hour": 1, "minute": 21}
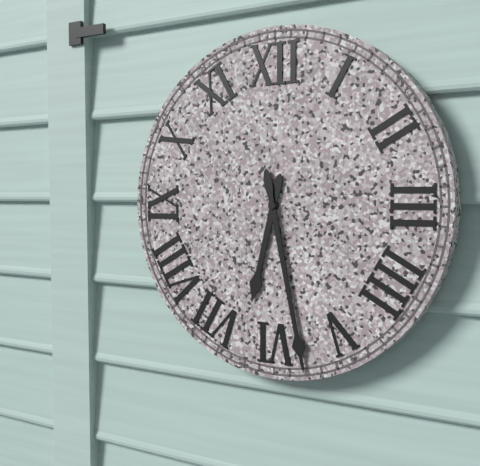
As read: {"hour": 6, "minute": 28}
